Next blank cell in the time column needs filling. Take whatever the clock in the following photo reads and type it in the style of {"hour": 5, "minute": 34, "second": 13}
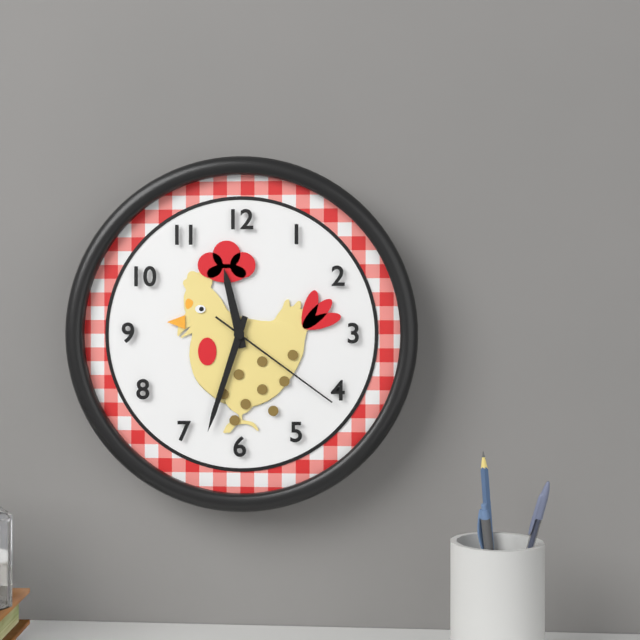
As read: {"hour": 11, "minute": 33, "second": 21}
